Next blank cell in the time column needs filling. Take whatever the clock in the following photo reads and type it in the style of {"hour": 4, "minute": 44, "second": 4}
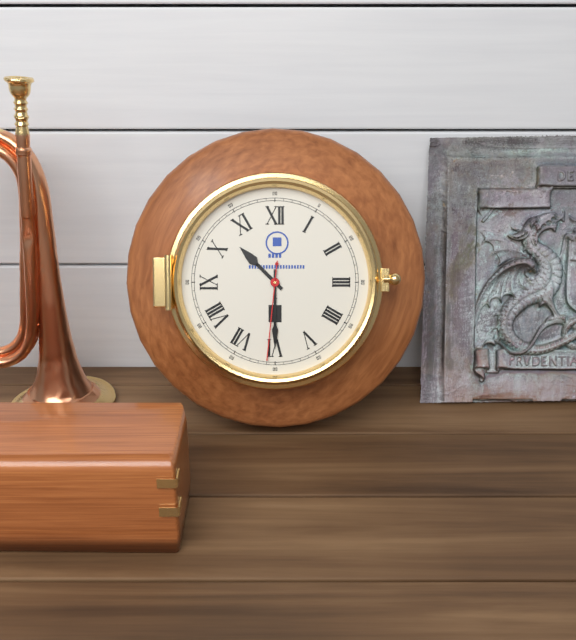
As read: {"hour": 10, "minute": 30, "second": 31}
